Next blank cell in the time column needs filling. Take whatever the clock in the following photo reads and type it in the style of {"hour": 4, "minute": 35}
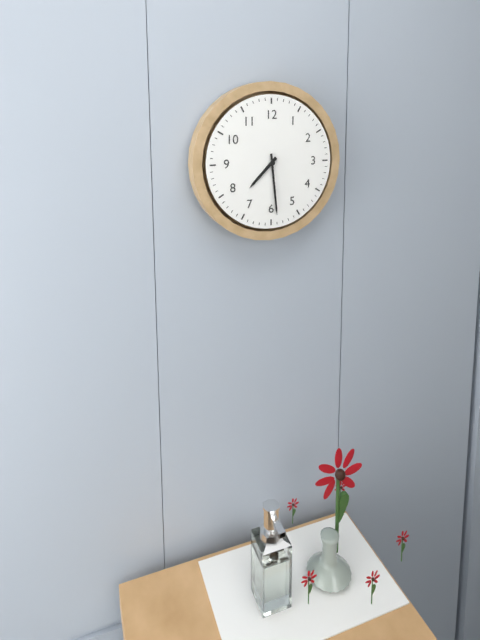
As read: {"hour": 7, "minute": 29}
